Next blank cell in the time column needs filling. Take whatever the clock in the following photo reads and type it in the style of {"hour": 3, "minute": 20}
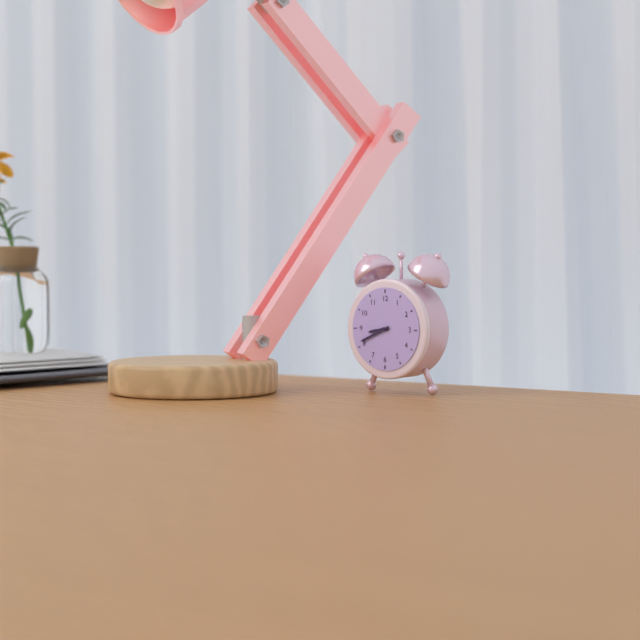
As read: {"hour": 8, "minute": 41}
